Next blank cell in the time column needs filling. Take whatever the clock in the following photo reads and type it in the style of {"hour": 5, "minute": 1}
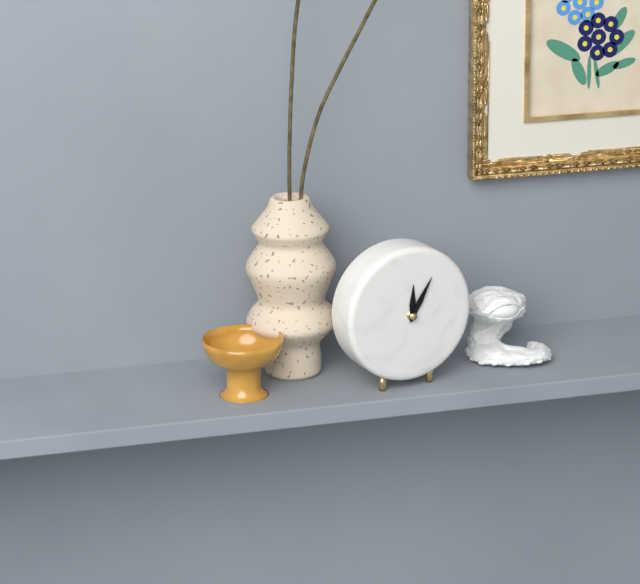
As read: {"hour": 12, "minute": 5}
